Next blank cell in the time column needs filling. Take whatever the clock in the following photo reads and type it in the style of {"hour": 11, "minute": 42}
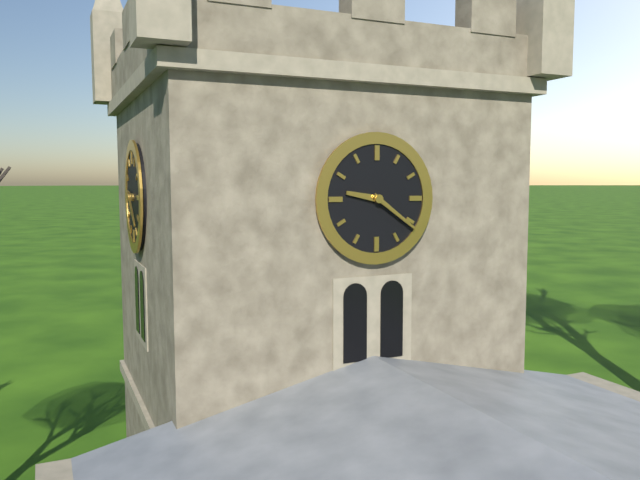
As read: {"hour": 9, "minute": 21}
